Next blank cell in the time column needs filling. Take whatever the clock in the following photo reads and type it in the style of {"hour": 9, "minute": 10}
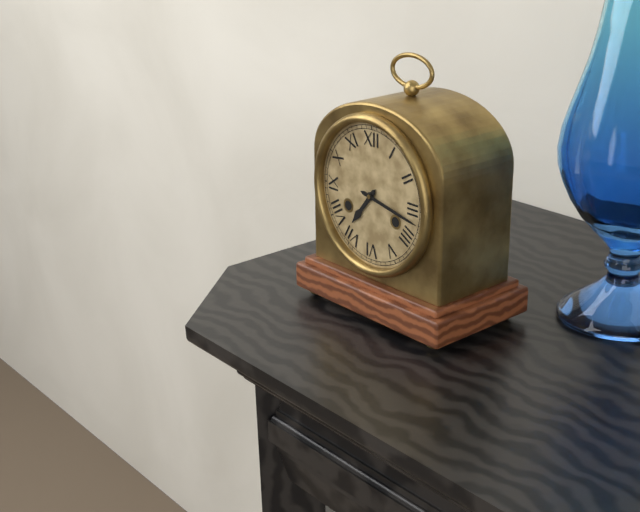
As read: {"hour": 7, "minute": 17}
